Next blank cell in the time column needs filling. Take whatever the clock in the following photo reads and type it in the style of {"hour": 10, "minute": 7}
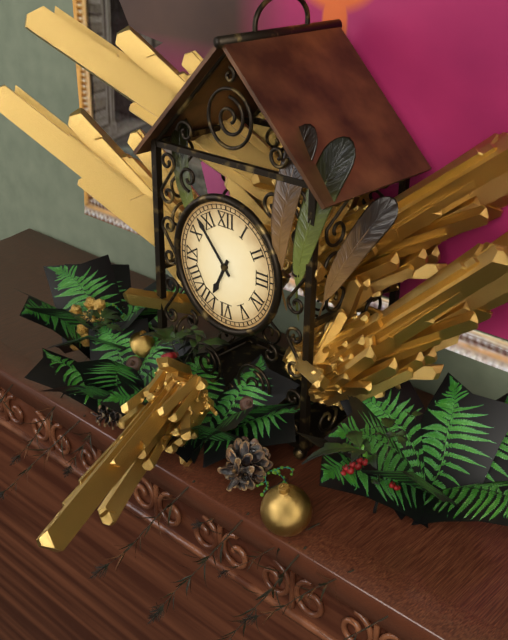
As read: {"hour": 6, "minute": 53}
